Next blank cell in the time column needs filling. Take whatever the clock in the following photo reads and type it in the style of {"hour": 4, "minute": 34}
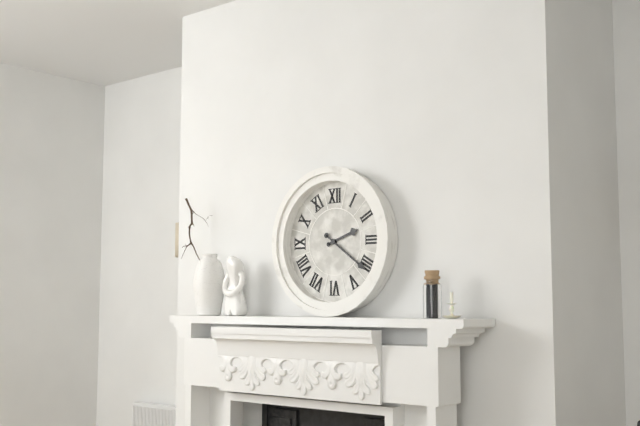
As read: {"hour": 2, "minute": 21}
